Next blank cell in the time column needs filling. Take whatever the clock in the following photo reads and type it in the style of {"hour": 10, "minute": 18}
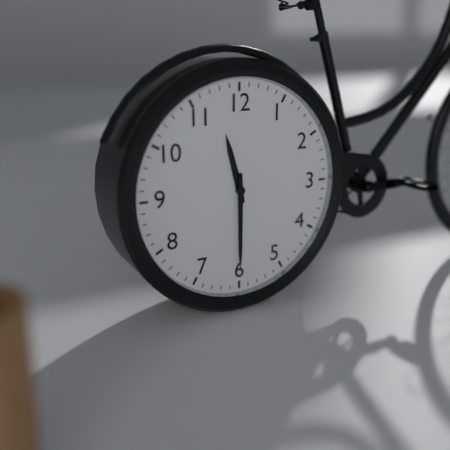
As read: {"hour": 11, "minute": 30}
